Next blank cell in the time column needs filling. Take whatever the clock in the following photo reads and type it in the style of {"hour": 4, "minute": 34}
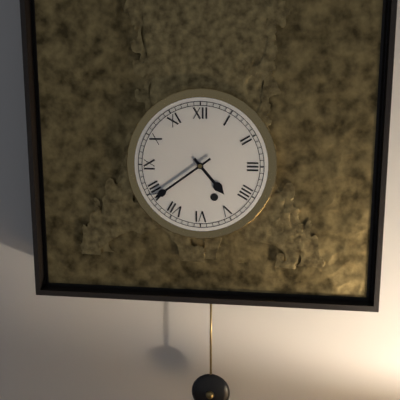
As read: {"hour": 4, "minute": 39}
